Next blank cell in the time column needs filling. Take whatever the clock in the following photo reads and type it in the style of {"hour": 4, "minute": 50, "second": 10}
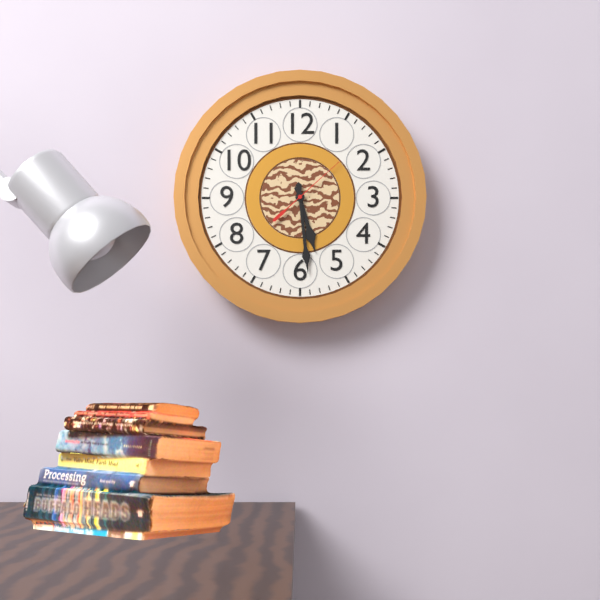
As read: {"hour": 5, "minute": 29, "second": 8}
